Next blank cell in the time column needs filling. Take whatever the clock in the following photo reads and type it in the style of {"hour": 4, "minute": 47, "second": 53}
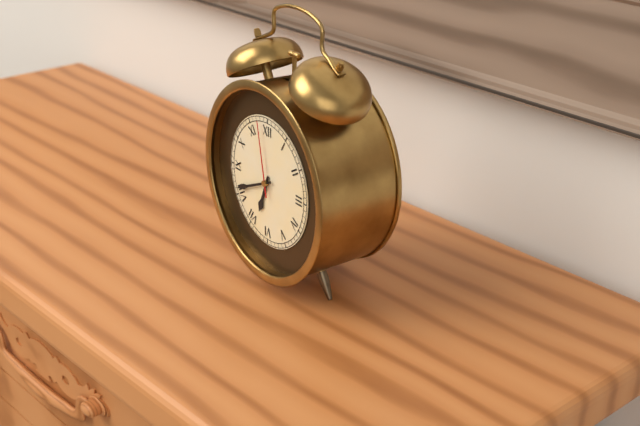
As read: {"hour": 6, "minute": 41, "second": 58}
